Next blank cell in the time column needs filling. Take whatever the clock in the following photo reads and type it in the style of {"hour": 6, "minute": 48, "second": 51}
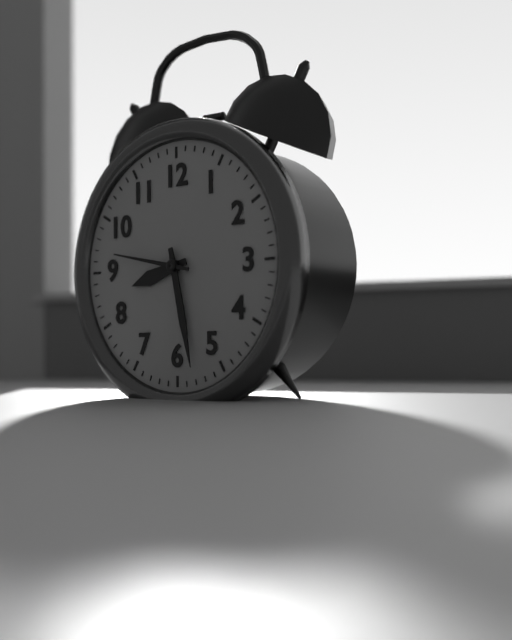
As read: {"hour": 8, "minute": 28, "second": 47}
